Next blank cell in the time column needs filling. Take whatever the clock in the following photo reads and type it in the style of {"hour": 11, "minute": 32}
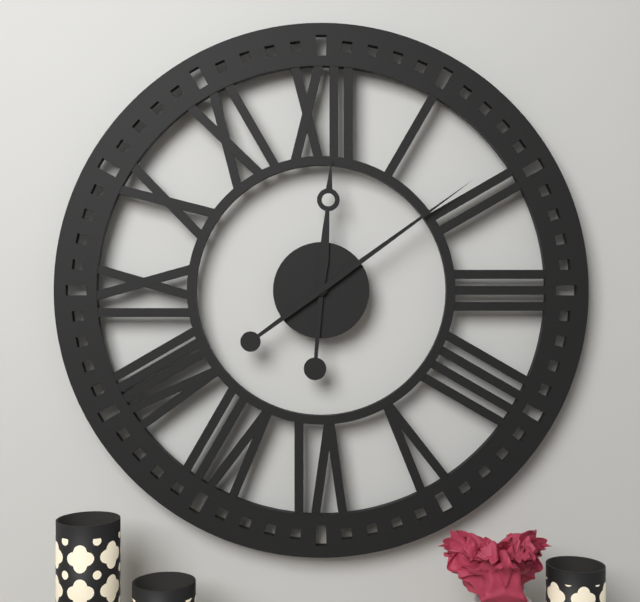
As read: {"hour": 12, "minute": 9}
